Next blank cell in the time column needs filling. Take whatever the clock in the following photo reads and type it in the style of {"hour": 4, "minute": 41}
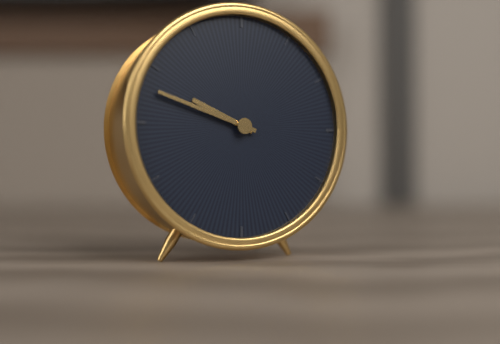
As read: {"hour": 9, "minute": 48}
